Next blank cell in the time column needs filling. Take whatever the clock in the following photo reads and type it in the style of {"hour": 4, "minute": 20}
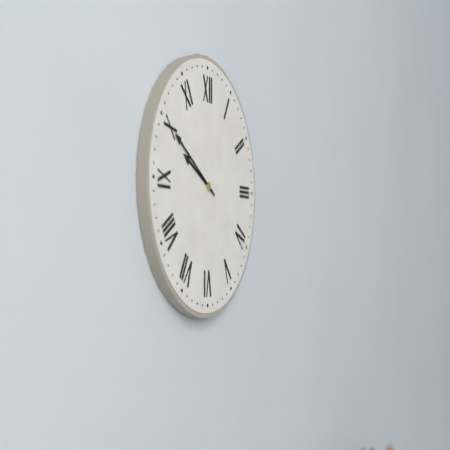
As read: {"hour": 9, "minute": 50}
